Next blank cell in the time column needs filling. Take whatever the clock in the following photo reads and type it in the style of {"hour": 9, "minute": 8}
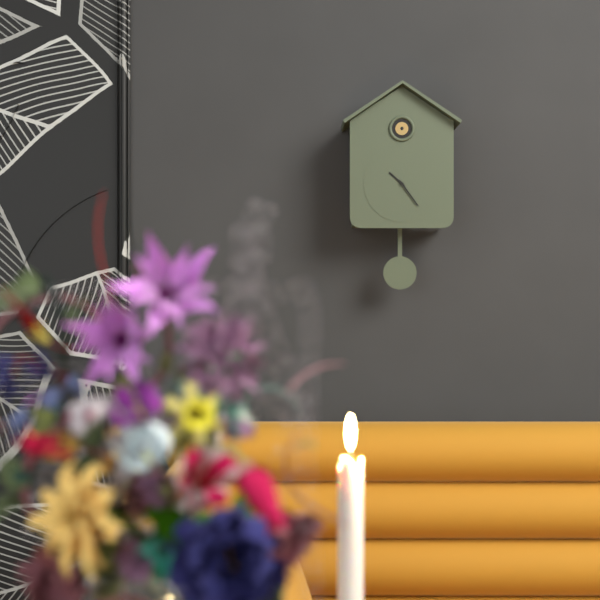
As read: {"hour": 10, "minute": 24}
